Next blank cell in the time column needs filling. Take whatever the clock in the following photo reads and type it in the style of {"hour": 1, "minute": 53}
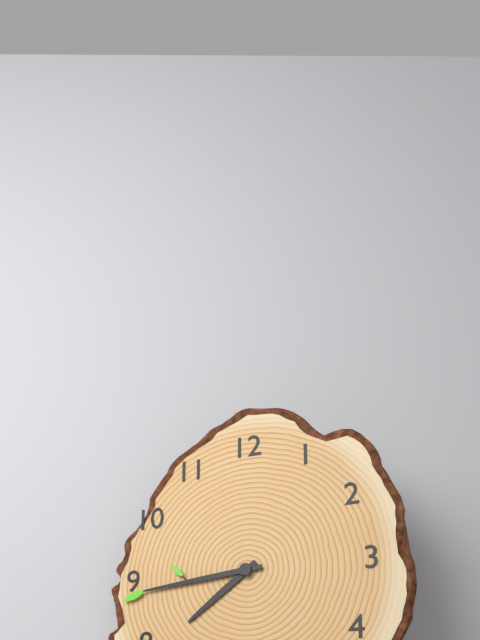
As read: {"hour": 7, "minute": 44}
